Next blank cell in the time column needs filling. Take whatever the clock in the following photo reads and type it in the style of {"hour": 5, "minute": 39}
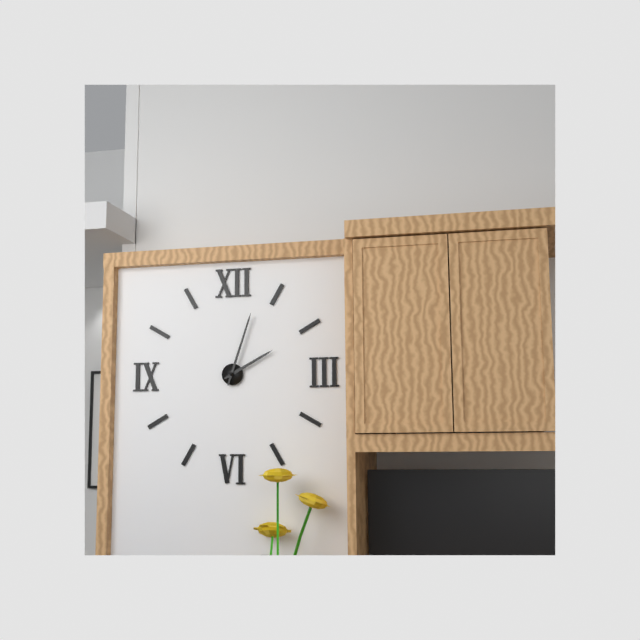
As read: {"hour": 2, "minute": 3}
